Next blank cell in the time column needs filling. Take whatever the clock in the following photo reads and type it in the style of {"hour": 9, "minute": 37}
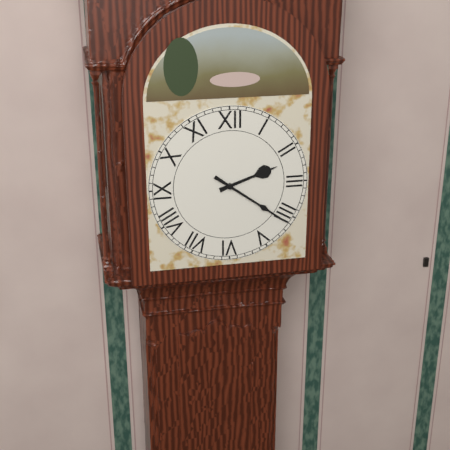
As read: {"hour": 2, "minute": 21}
